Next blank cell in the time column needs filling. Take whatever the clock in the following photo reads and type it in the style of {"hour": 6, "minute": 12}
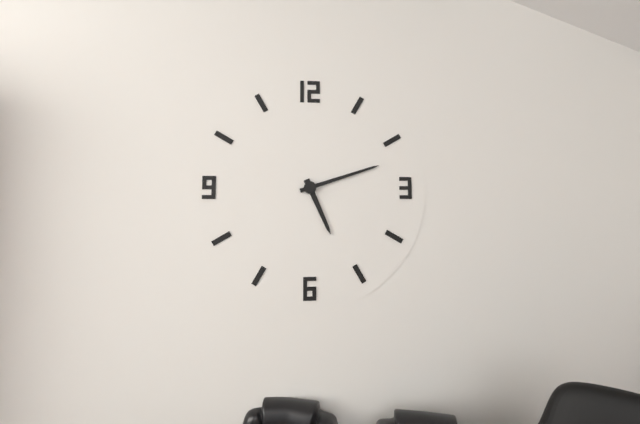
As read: {"hour": 5, "minute": 12}
